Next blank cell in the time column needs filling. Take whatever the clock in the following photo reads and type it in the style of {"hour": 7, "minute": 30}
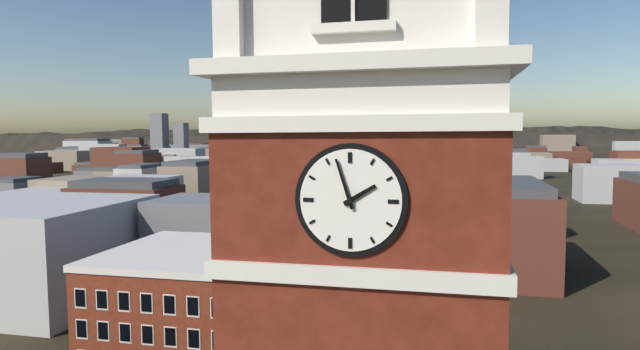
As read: {"hour": 1, "minute": 57}
